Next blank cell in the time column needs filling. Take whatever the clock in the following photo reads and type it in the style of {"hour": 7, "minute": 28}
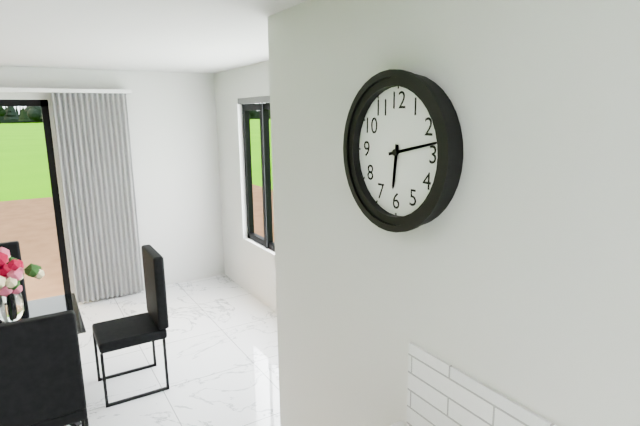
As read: {"hour": 6, "minute": 13}
